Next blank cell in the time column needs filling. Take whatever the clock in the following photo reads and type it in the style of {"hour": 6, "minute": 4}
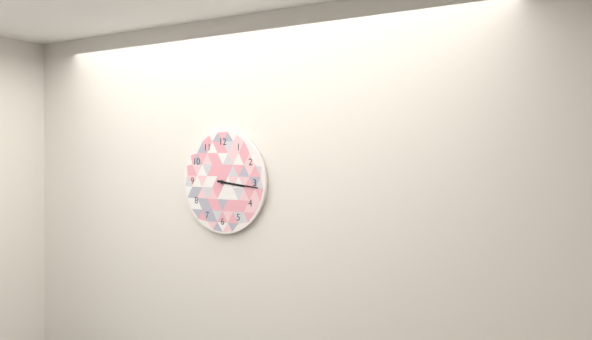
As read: {"hour": 3, "minute": 16}
